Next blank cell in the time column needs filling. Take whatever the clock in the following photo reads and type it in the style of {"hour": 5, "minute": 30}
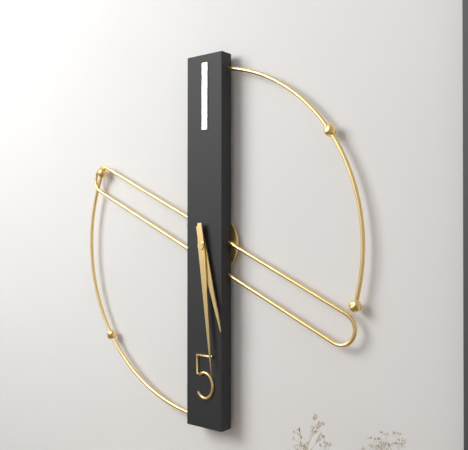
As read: {"hour": 5, "minute": 29}
